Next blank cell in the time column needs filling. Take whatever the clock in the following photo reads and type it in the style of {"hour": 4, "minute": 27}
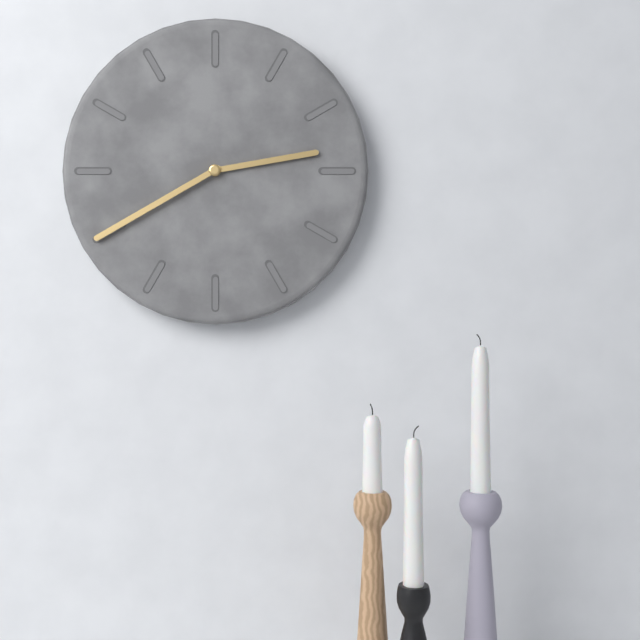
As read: {"hour": 2, "minute": 40}
